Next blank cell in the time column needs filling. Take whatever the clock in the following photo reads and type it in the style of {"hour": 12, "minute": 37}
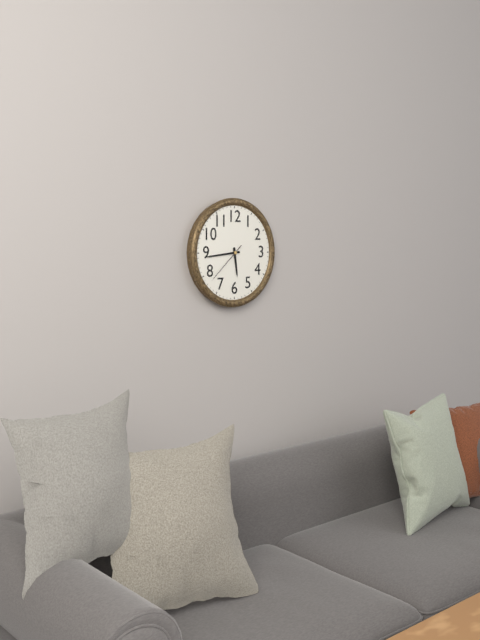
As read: {"hour": 5, "minute": 44}
